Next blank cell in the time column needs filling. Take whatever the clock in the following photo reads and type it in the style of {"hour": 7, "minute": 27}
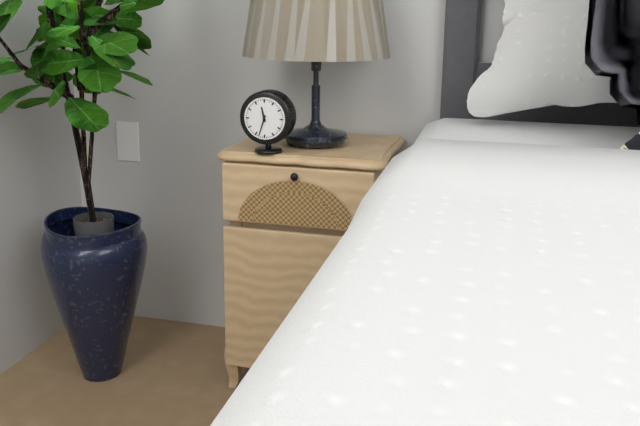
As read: {"hour": 11, "minute": 33}
